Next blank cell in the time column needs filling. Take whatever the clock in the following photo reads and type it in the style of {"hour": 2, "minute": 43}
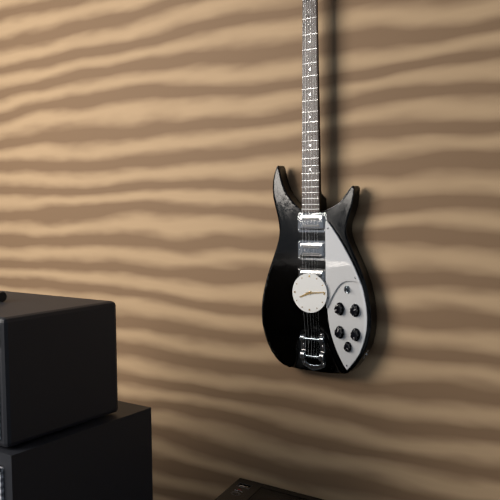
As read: {"hour": 8, "minute": 14}
